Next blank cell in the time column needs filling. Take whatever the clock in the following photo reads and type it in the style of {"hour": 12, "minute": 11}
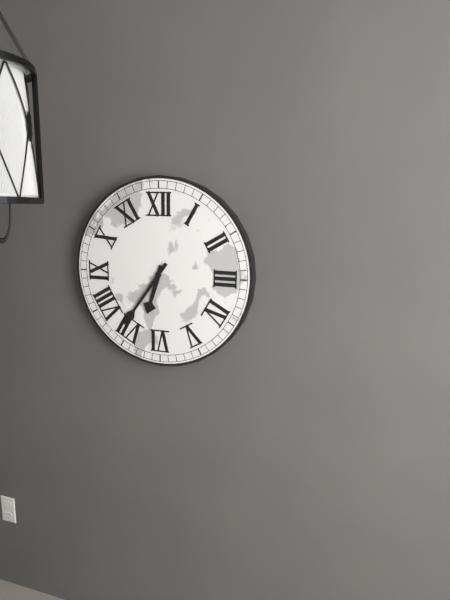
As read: {"hour": 6, "minute": 36}
